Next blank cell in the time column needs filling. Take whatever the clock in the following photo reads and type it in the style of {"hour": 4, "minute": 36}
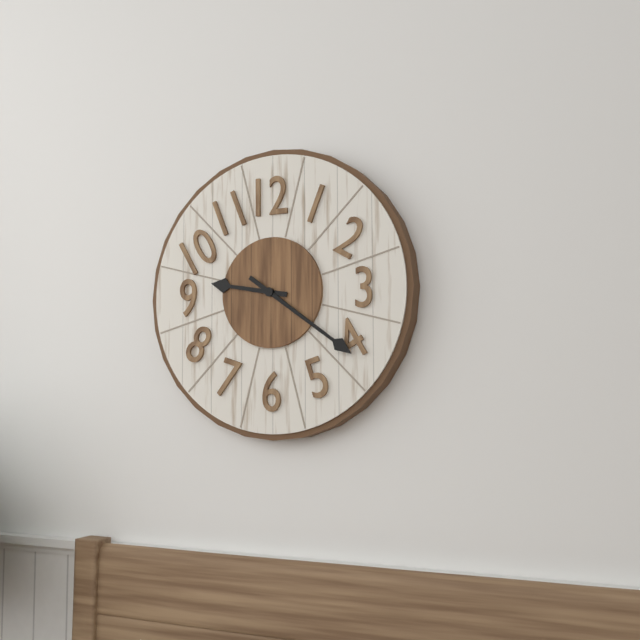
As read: {"hour": 9, "minute": 21}
